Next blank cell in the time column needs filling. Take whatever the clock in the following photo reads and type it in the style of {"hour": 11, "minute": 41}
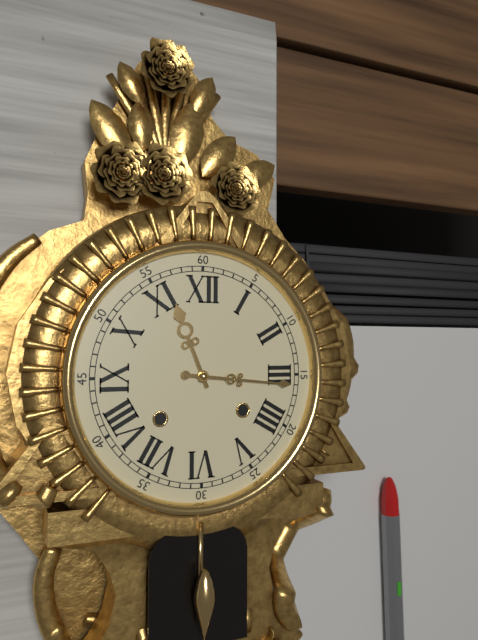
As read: {"hour": 11, "minute": 16}
